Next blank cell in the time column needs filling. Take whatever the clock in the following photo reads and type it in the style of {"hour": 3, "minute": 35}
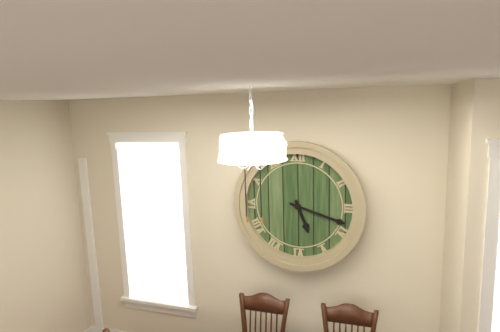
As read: {"hour": 5, "minute": 18}
